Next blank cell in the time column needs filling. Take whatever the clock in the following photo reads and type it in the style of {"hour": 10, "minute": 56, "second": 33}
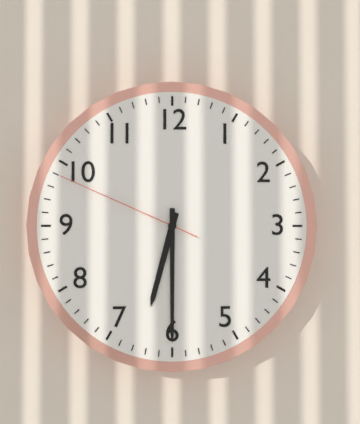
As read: {"hour": 6, "minute": 30, "second": 49}
